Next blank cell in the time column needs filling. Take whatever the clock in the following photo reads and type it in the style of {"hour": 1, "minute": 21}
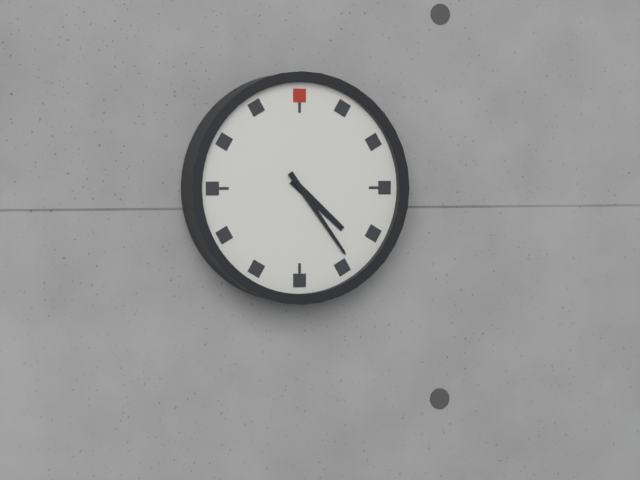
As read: {"hour": 4, "minute": 24}
